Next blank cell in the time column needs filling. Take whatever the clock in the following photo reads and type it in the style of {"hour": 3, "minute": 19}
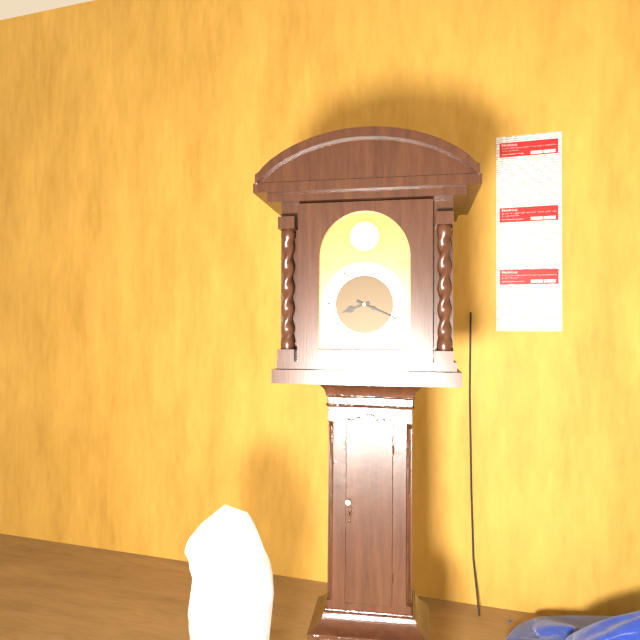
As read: {"hour": 8, "minute": 19}
